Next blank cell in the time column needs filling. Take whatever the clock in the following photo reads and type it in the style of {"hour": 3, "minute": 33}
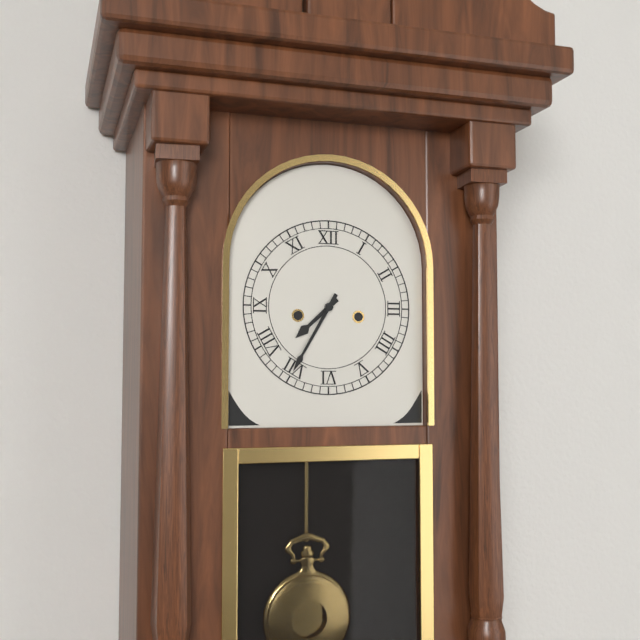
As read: {"hour": 7, "minute": 35}
